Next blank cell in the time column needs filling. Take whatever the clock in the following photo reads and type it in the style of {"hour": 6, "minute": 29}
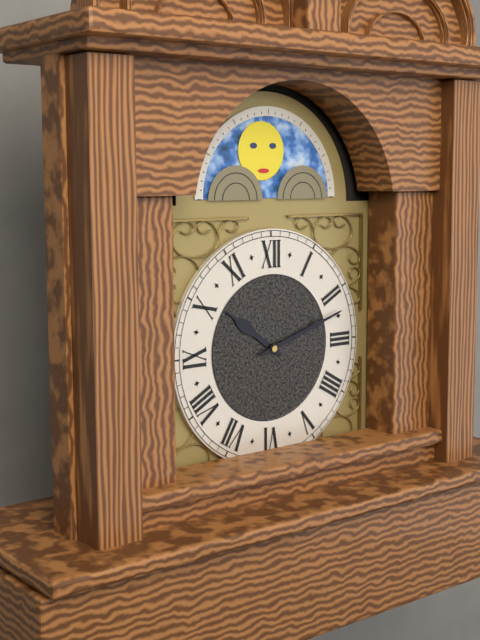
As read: {"hour": 10, "minute": 12}
